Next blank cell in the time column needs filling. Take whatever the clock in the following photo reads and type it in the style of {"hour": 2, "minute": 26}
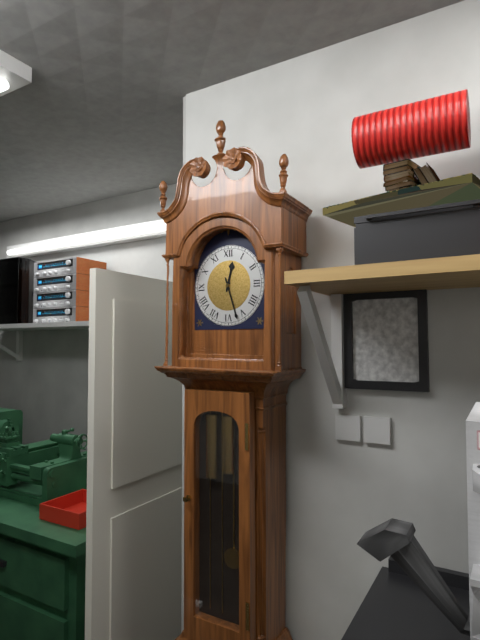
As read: {"hour": 12, "minute": 27}
